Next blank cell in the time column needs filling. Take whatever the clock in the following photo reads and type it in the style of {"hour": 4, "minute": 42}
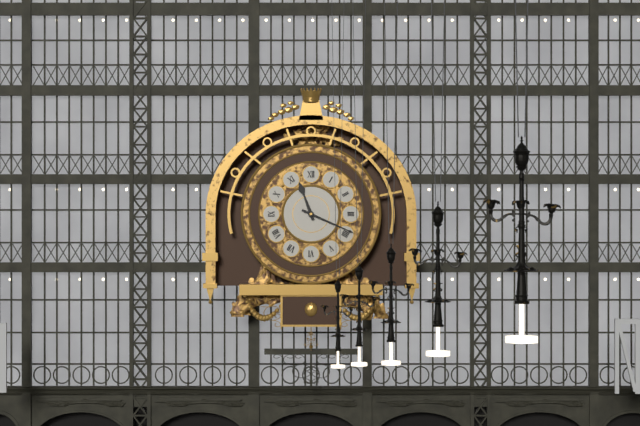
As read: {"hour": 11, "minute": 19}
